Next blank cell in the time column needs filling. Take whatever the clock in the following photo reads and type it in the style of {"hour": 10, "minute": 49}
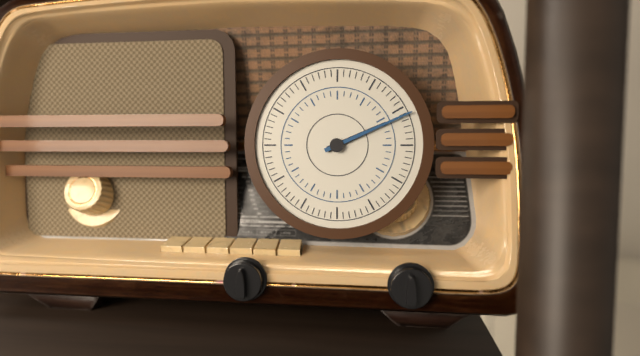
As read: {"hour": 2, "minute": 11}
